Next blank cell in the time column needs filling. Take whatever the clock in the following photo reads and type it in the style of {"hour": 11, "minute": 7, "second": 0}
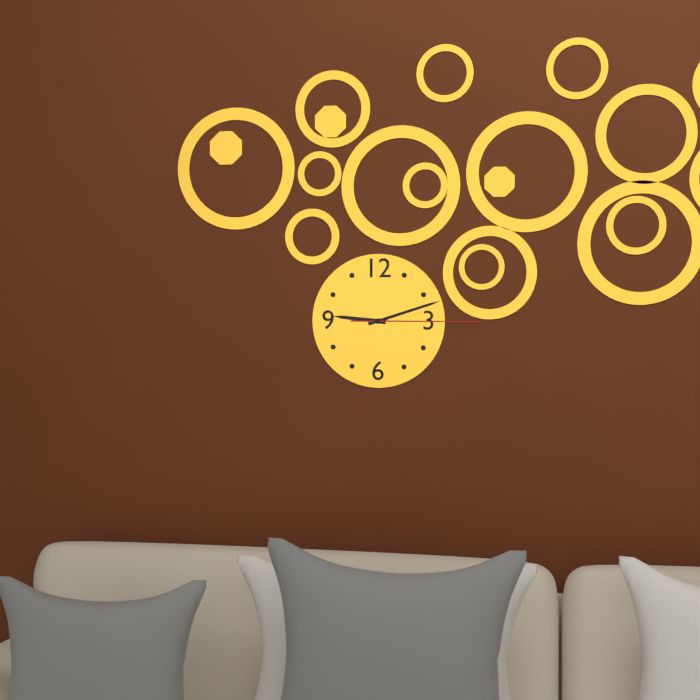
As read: {"hour": 9, "minute": 12, "second": 15}
